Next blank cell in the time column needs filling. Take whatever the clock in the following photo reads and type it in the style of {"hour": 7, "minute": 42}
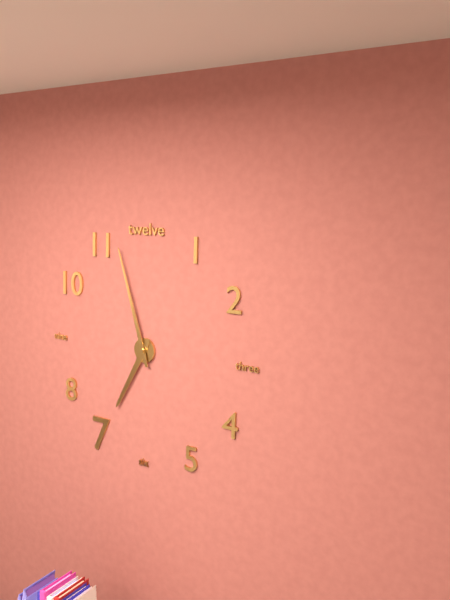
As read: {"hour": 6, "minute": 57}
